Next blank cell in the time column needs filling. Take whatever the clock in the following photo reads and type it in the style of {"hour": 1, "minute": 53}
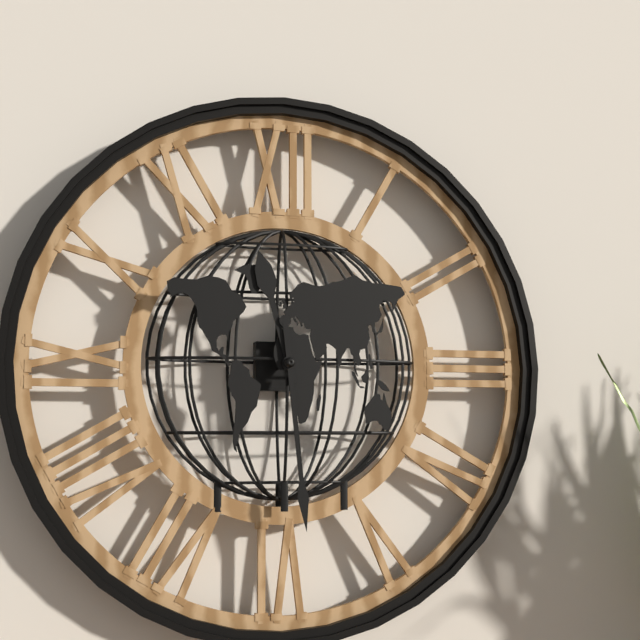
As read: {"hour": 11, "minute": 29}
